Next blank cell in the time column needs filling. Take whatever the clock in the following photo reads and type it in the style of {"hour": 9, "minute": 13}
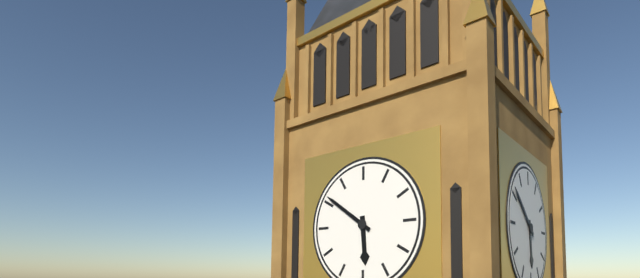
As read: {"hour": 5, "minute": 51}
